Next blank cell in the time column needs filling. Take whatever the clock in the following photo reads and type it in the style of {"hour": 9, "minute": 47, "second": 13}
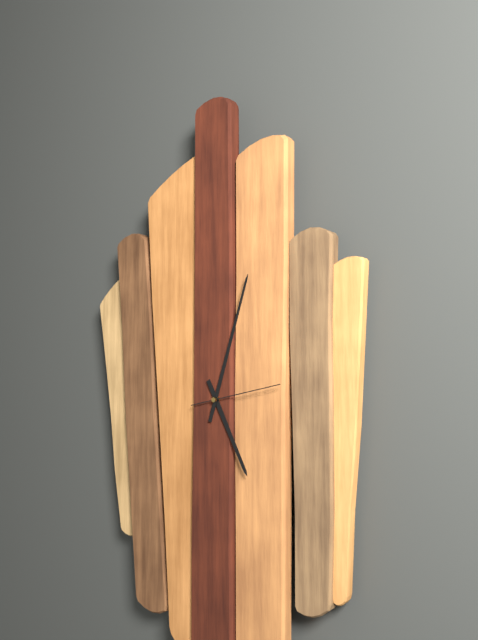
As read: {"hour": 5, "minute": 3, "second": 13}
